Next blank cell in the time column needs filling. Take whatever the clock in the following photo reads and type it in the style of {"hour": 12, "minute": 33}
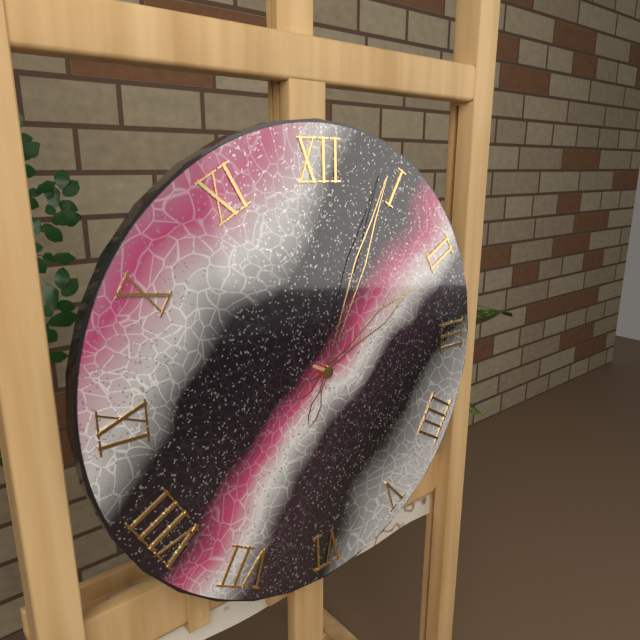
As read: {"hour": 2, "minute": 4}
